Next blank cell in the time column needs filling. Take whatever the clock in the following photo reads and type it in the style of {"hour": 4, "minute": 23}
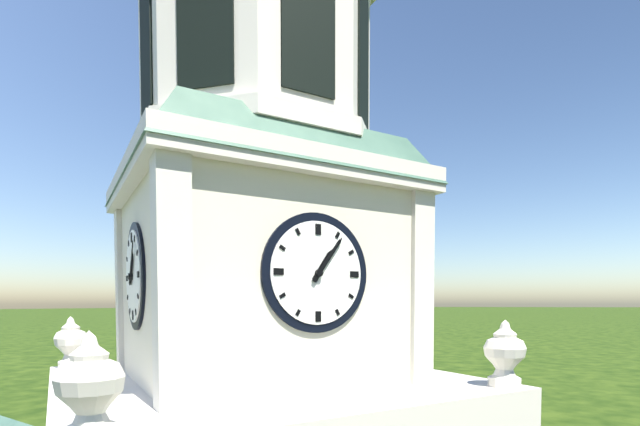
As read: {"hour": 1, "minute": 6}
